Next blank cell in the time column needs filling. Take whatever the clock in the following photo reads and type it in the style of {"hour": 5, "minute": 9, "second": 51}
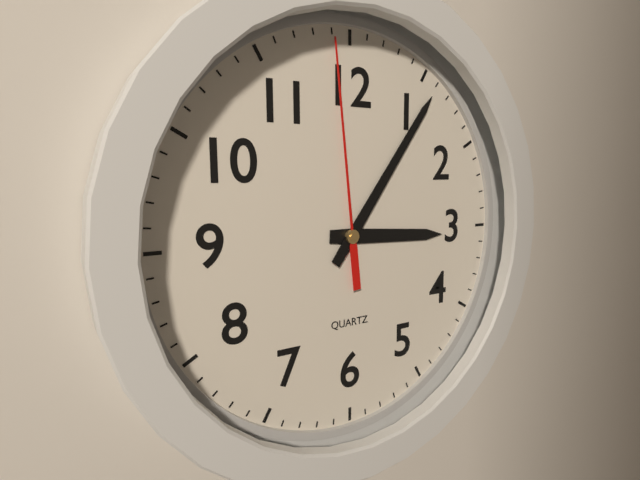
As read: {"hour": 3, "minute": 6, "second": 59}
